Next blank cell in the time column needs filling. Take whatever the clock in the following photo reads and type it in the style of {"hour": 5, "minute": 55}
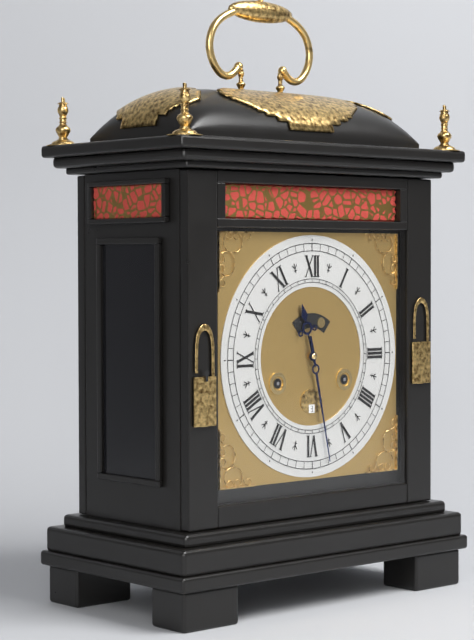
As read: {"hour": 11, "minute": 28}
